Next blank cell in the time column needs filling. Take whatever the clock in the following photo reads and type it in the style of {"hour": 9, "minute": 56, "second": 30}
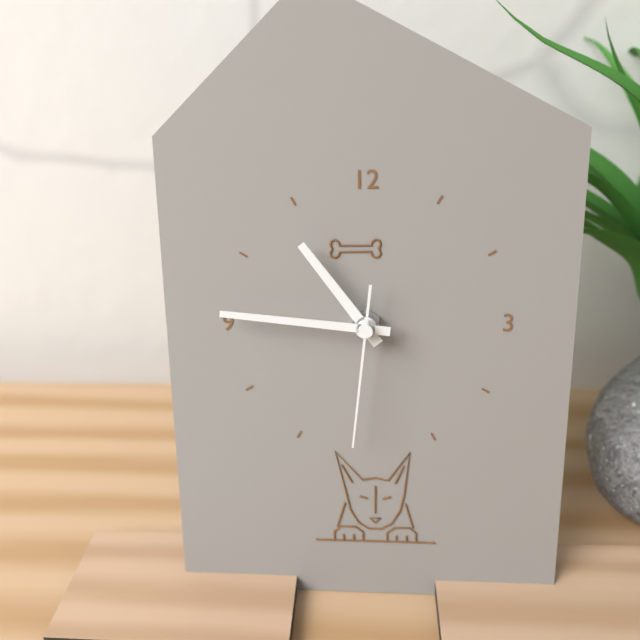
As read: {"hour": 10, "minute": 46, "second": 31}
